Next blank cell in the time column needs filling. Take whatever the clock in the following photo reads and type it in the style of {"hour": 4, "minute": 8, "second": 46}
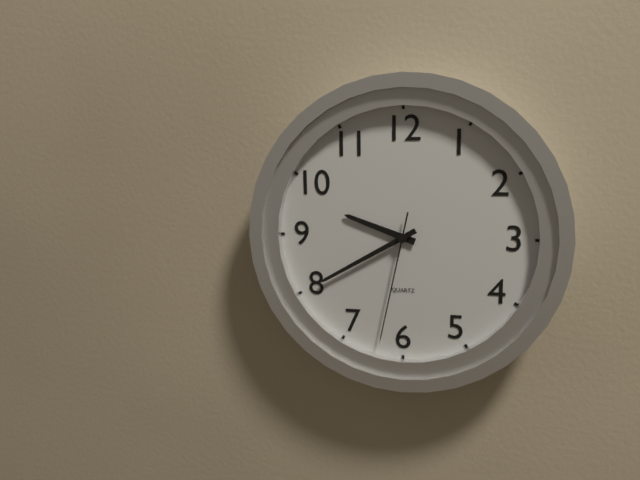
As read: {"hour": 9, "minute": 40, "second": 32}
